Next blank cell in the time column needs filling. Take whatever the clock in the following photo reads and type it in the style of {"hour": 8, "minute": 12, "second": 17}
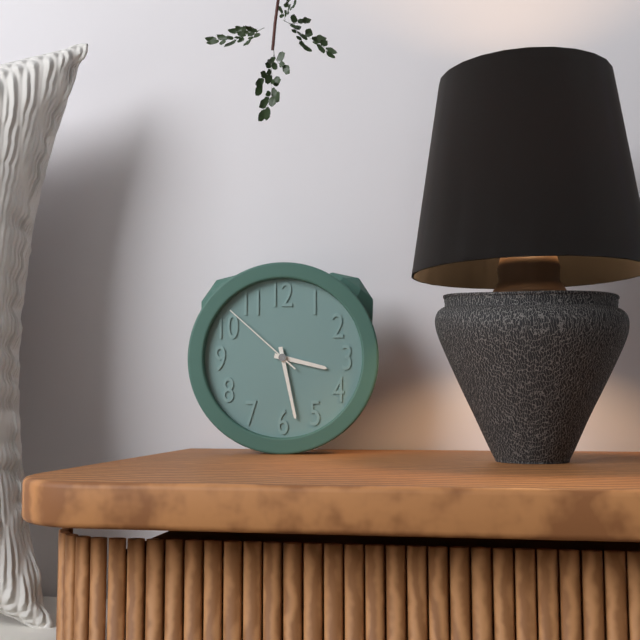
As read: {"hour": 3, "minute": 28, "second": 52}
